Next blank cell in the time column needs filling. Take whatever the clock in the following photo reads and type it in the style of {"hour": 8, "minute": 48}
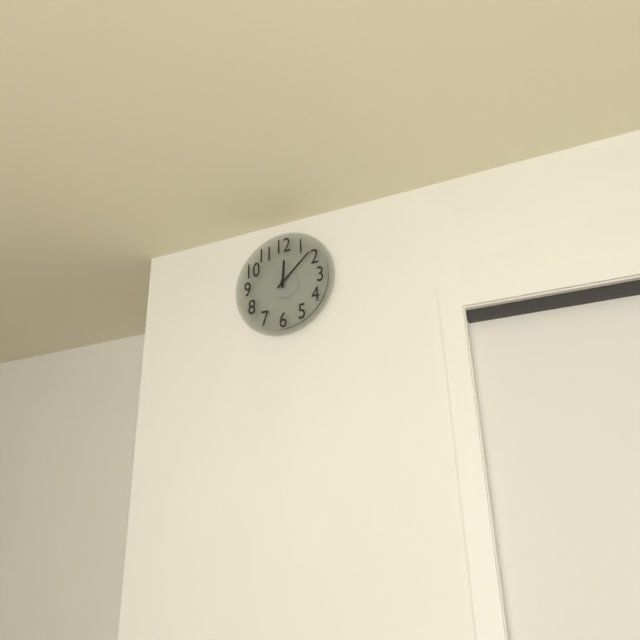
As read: {"hour": 12, "minute": 8}
